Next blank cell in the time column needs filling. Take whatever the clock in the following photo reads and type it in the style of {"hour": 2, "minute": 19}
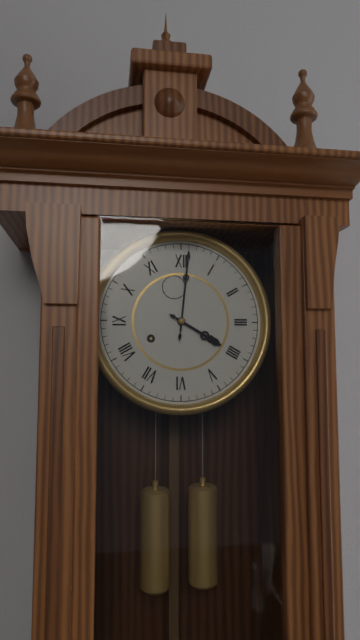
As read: {"hour": 4, "minute": 1}
